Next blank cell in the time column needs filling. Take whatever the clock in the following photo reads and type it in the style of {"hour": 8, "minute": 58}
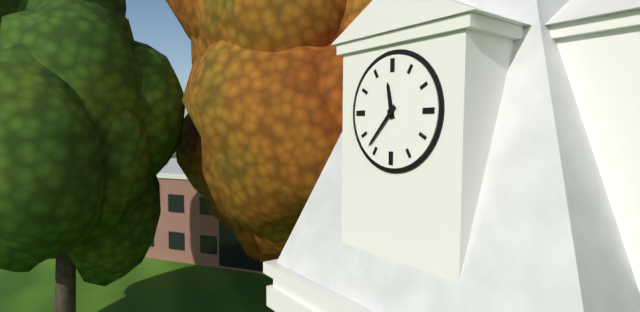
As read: {"hour": 11, "minute": 37}
